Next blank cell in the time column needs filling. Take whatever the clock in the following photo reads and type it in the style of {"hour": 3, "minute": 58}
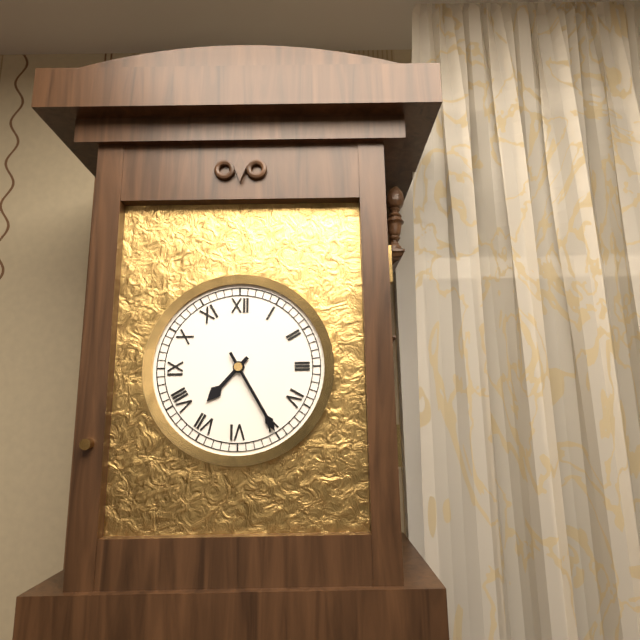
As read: {"hour": 7, "minute": 25}
